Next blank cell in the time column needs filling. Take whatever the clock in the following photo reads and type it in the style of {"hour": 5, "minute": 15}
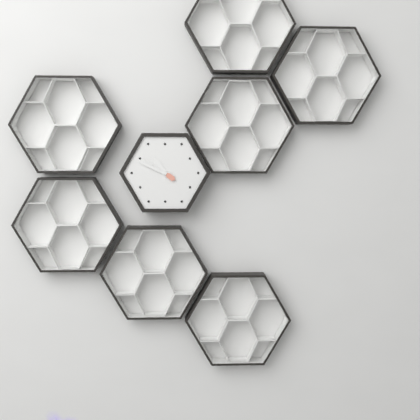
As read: {"hour": 10, "minute": 49}
